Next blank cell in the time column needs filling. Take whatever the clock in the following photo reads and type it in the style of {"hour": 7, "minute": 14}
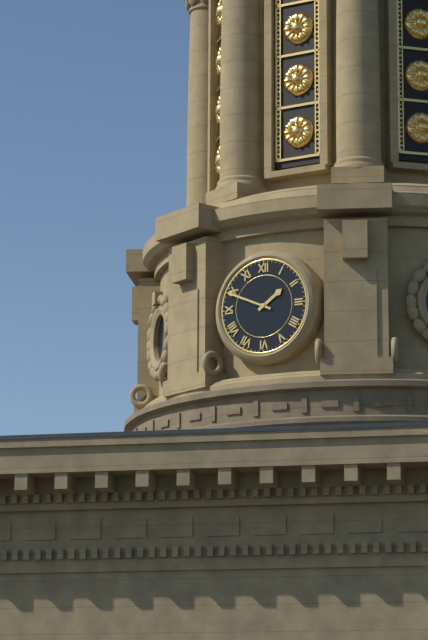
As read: {"hour": 1, "minute": 49}
